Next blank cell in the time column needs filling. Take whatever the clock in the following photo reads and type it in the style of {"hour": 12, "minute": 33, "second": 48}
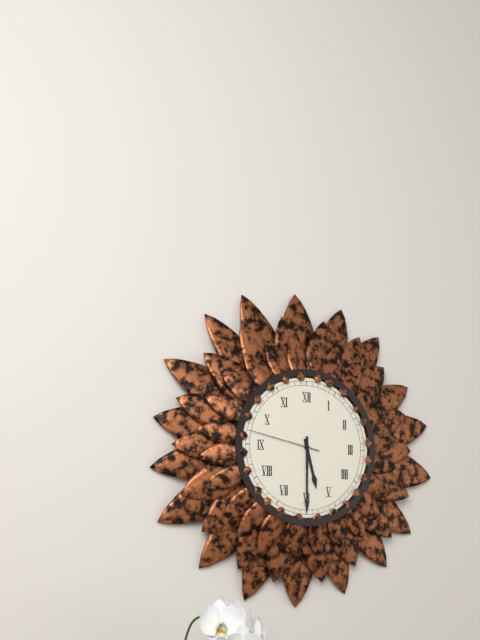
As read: {"hour": 5, "minute": 30, "second": 47}
